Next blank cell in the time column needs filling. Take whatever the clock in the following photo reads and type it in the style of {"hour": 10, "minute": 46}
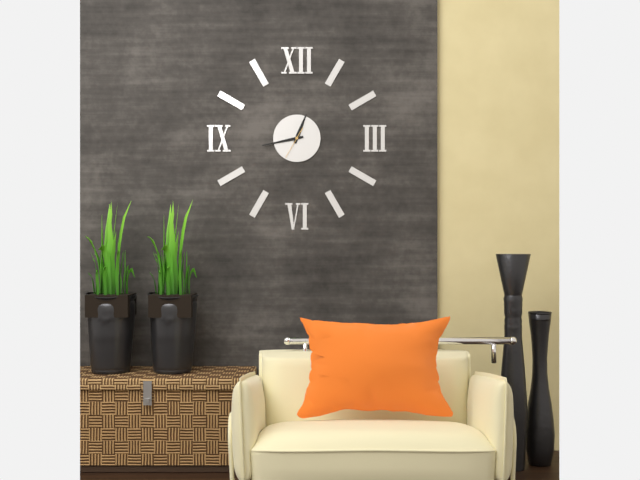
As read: {"hour": 12, "minute": 43}
